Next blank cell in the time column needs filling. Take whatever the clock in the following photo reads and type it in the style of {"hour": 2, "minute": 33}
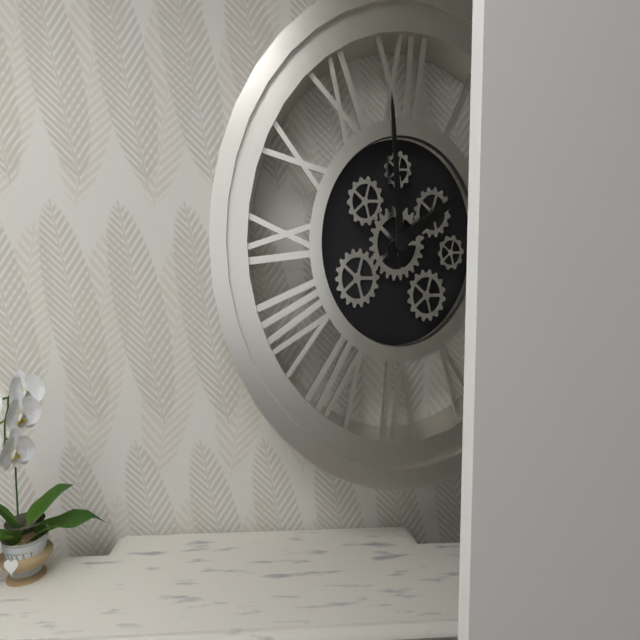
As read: {"hour": 1, "minute": 59}
